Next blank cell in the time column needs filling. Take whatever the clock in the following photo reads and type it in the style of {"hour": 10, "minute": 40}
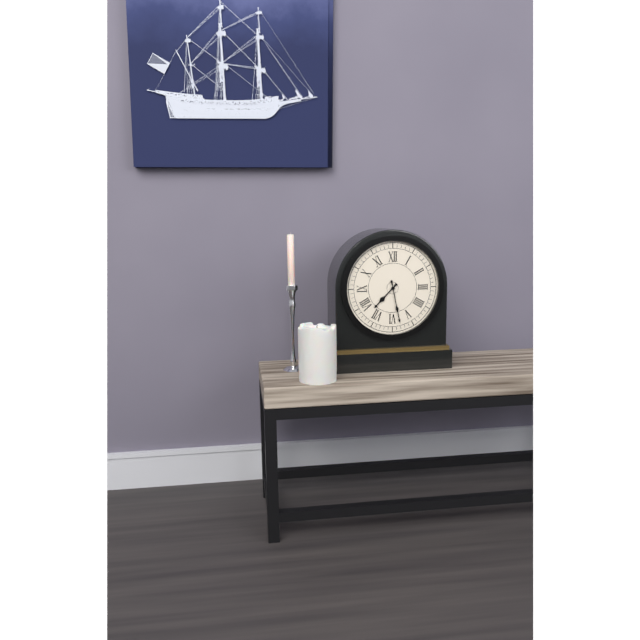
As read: {"hour": 7, "minute": 28}
